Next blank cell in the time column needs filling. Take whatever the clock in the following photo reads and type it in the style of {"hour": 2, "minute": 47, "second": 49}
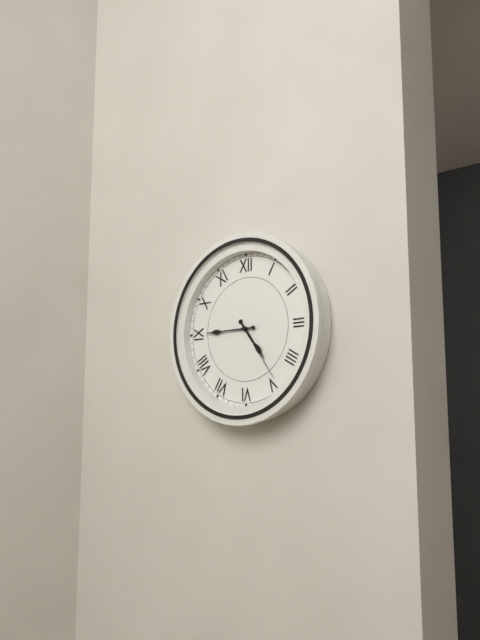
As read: {"hour": 4, "minute": 45, "second": 24}
